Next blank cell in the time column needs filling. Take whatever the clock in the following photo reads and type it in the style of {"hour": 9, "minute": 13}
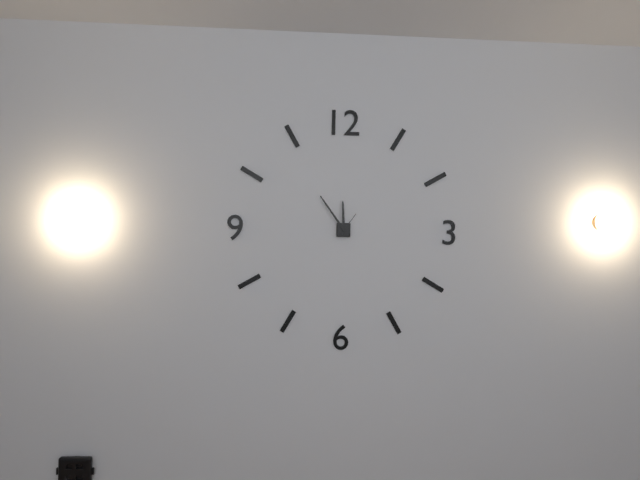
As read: {"hour": 11, "minute": 54}
